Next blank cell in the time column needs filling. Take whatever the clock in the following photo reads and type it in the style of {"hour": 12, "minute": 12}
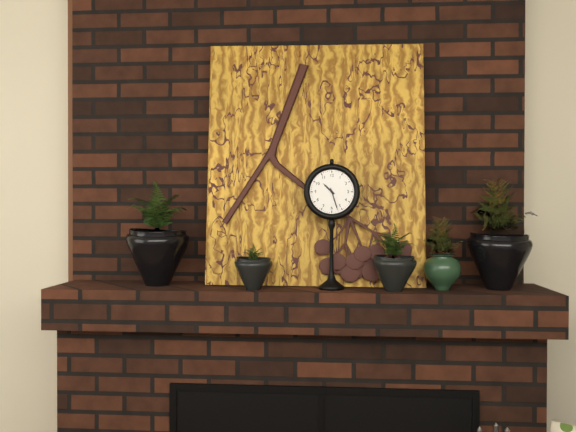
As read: {"hour": 10, "minute": 27}
